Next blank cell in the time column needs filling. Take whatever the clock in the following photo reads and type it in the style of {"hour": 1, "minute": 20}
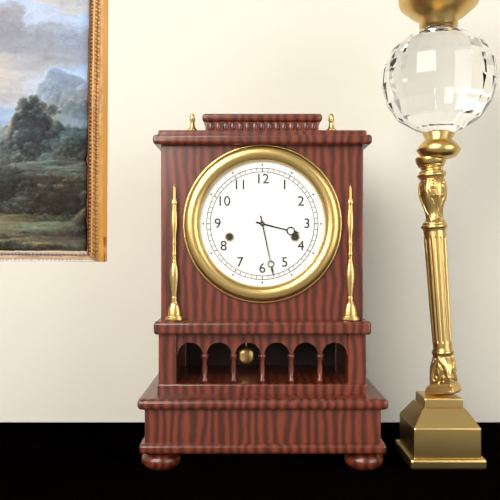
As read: {"hour": 3, "minute": 28}
